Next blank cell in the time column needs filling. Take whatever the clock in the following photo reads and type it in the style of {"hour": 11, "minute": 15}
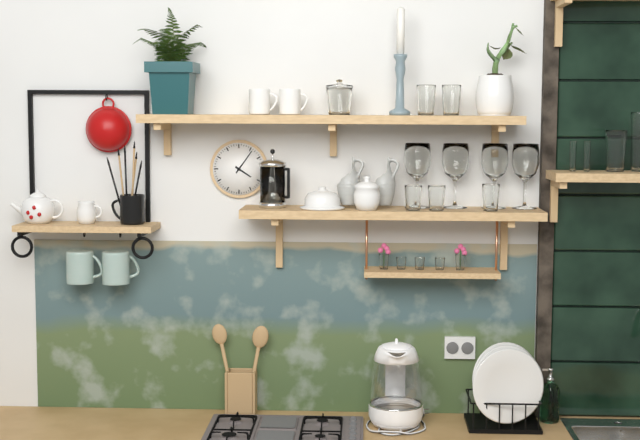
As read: {"hour": 4, "minute": 6}
